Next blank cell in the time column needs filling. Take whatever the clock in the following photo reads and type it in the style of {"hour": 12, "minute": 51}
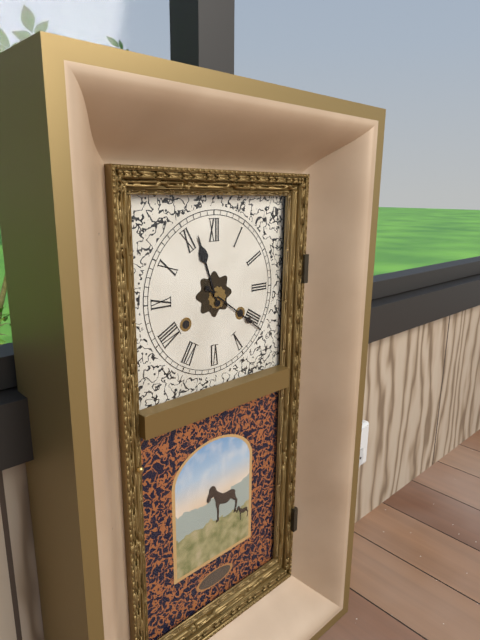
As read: {"hour": 11, "minute": 21}
